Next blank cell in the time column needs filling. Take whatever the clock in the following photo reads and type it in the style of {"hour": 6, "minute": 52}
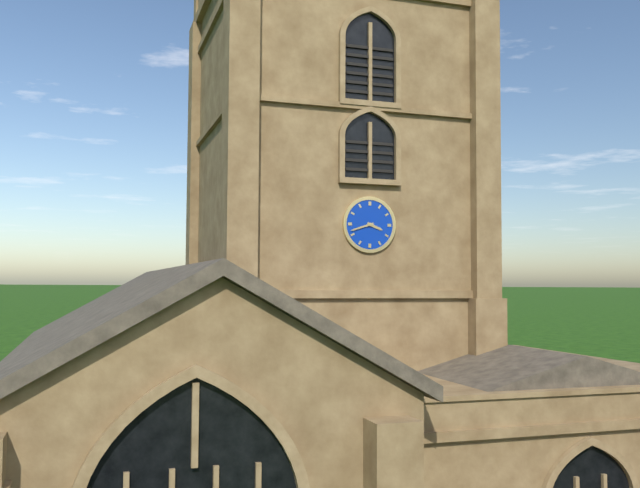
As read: {"hour": 3, "minute": 42}
